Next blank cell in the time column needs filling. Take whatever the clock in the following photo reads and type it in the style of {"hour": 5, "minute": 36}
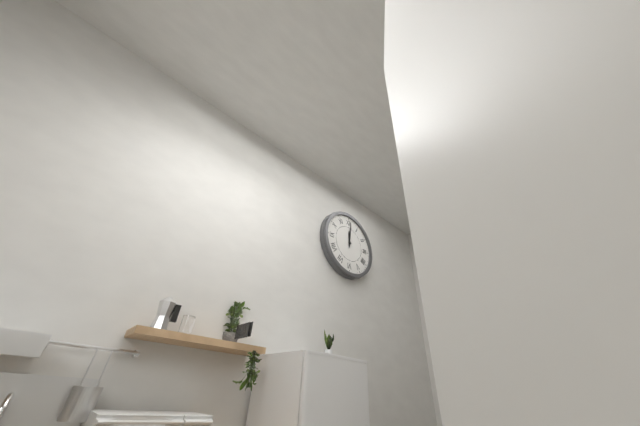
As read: {"hour": 12, "minute": 1}
